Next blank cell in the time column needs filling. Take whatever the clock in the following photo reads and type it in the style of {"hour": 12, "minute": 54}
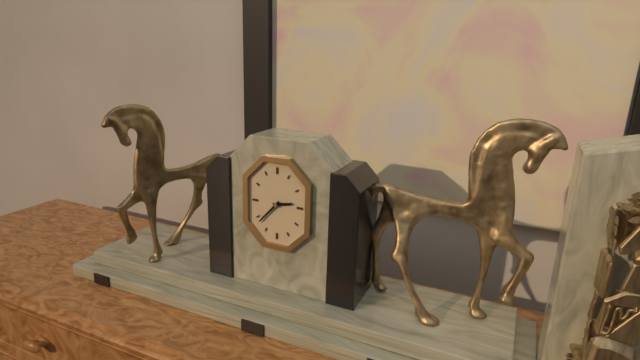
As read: {"hour": 2, "minute": 37}
